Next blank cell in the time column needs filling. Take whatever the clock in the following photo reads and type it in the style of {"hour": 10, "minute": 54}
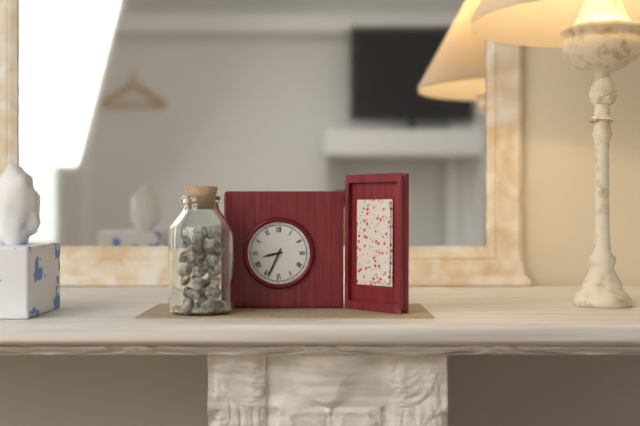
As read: {"hour": 8, "minute": 34}
